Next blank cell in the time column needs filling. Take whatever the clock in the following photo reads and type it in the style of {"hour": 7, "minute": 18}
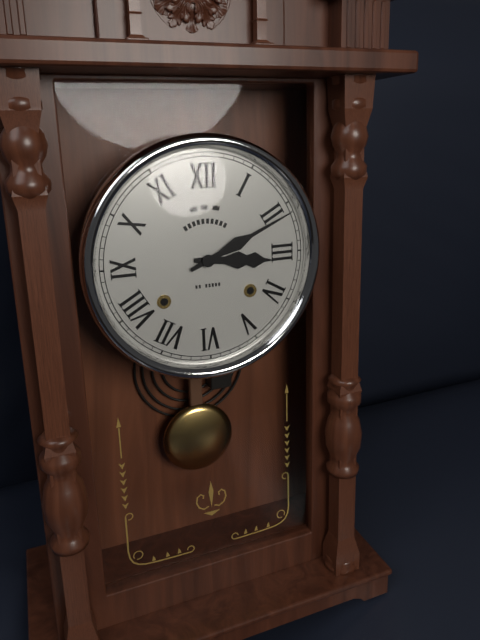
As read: {"hour": 3, "minute": 11}
